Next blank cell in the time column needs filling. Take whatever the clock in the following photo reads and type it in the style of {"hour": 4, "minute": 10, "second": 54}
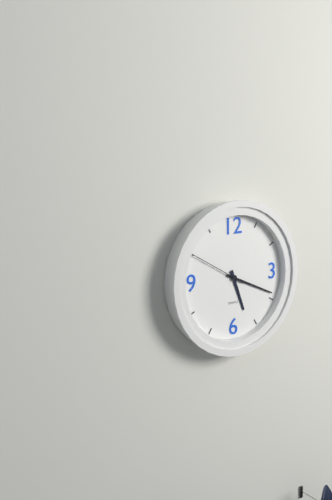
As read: {"hour": 5, "minute": 19, "second": 50}
